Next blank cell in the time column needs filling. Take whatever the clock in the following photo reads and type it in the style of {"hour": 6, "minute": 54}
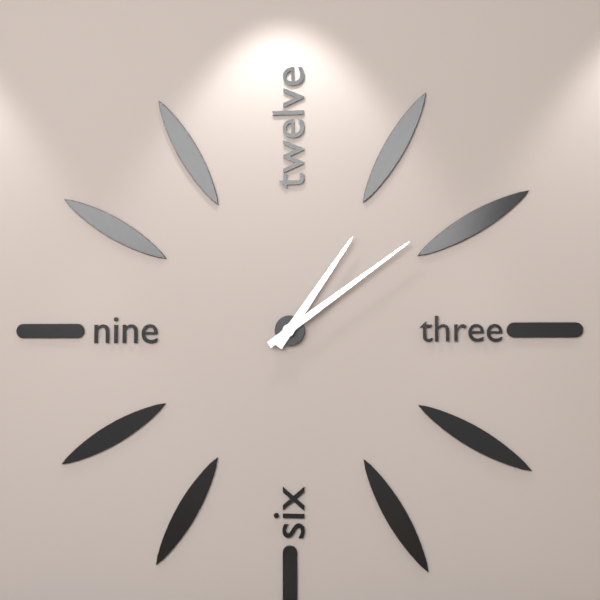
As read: {"hour": 1, "minute": 9}
